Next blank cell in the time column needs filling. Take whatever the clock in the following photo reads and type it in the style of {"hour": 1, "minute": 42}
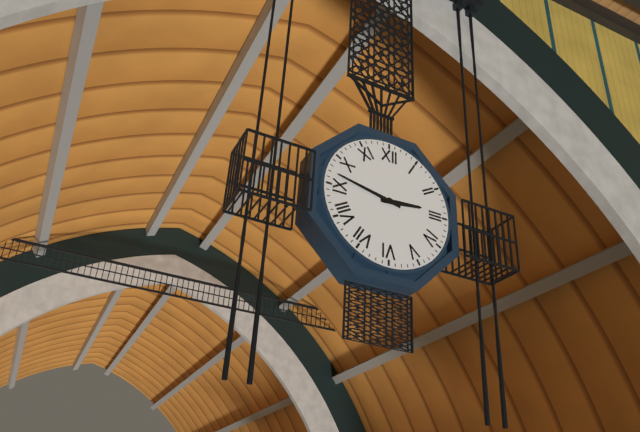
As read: {"hour": 2, "minute": 47}
